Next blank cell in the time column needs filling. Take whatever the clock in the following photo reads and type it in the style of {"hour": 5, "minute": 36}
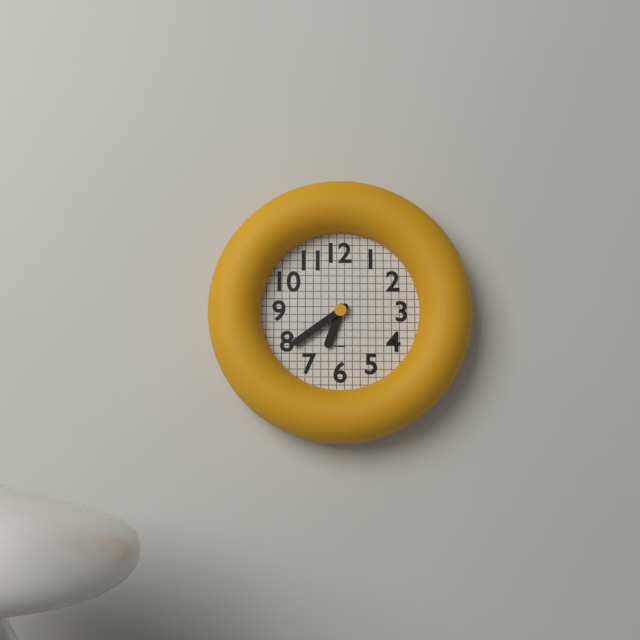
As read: {"hour": 6, "minute": 39}
